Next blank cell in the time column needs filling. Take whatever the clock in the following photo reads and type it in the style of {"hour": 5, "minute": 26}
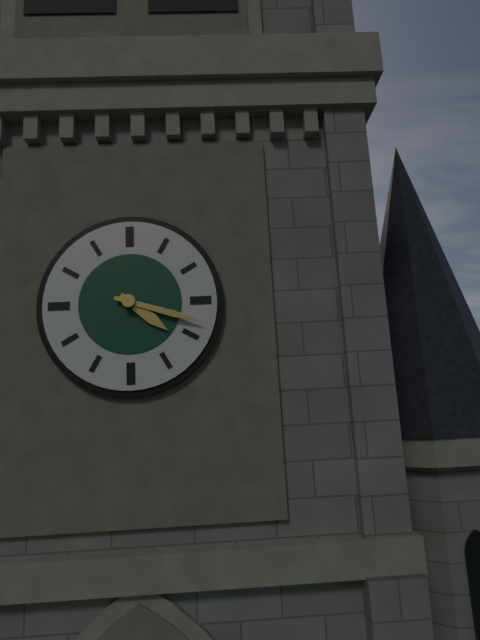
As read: {"hour": 4, "minute": 18}
